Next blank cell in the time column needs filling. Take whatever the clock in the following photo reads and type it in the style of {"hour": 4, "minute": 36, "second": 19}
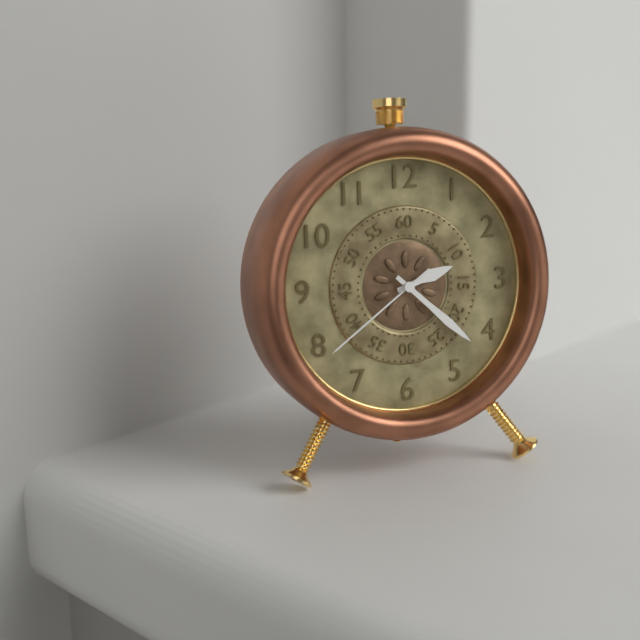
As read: {"hour": 2, "minute": 22, "second": 39}
